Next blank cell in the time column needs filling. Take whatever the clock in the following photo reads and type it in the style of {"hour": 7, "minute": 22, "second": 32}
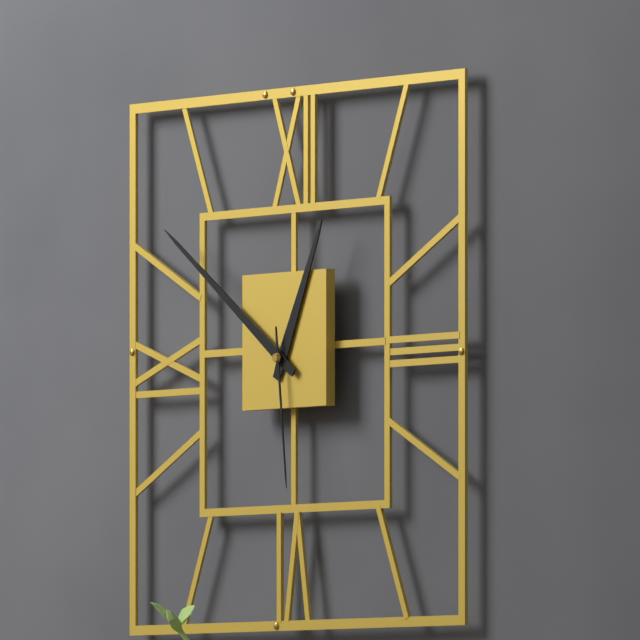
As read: {"hour": 12, "minute": 51, "second": 29}
